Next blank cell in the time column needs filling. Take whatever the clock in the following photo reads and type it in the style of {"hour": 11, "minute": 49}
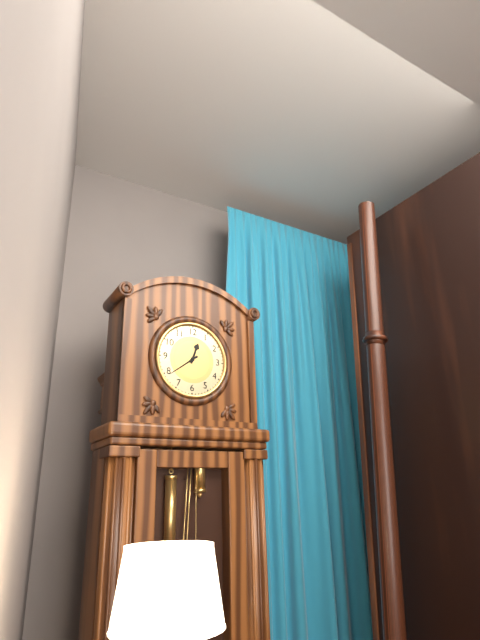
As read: {"hour": 12, "minute": 39}
